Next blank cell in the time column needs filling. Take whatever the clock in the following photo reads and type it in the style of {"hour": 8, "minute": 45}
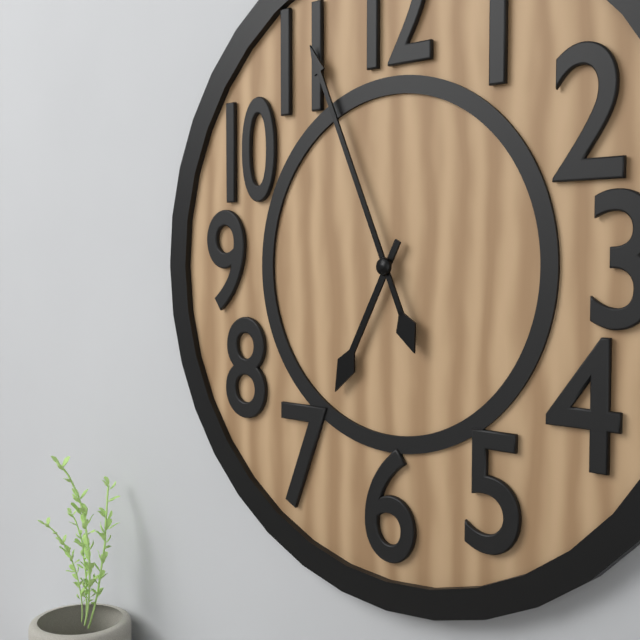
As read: {"hour": 6, "minute": 56}
